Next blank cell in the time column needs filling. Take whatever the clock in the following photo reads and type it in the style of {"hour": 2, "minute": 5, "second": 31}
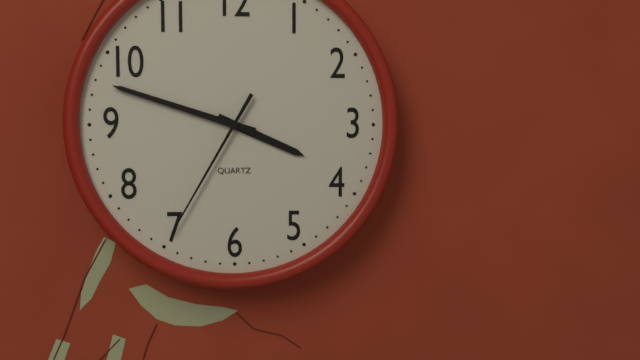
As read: {"hour": 3, "minute": 48, "second": 35}
